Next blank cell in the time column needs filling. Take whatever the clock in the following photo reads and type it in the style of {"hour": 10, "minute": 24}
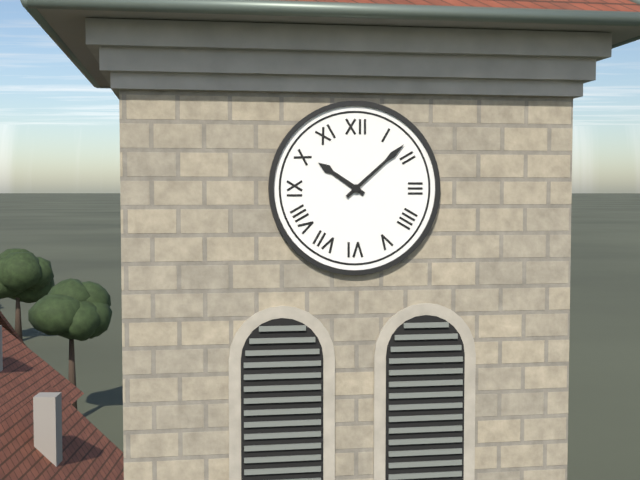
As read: {"hour": 10, "minute": 8}
